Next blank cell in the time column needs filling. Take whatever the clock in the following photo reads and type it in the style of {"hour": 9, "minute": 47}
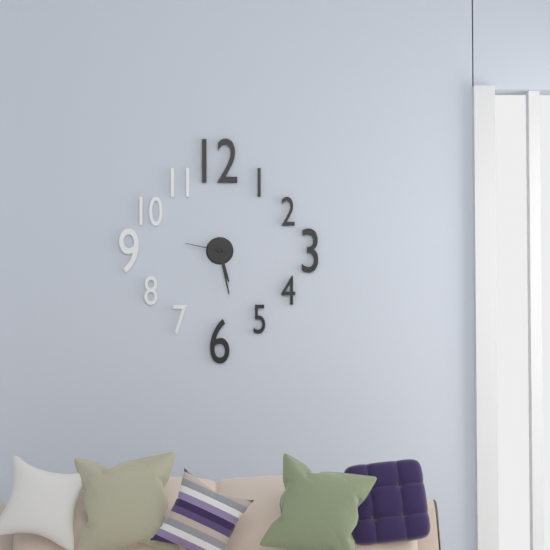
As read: {"hour": 5, "minute": 28}
